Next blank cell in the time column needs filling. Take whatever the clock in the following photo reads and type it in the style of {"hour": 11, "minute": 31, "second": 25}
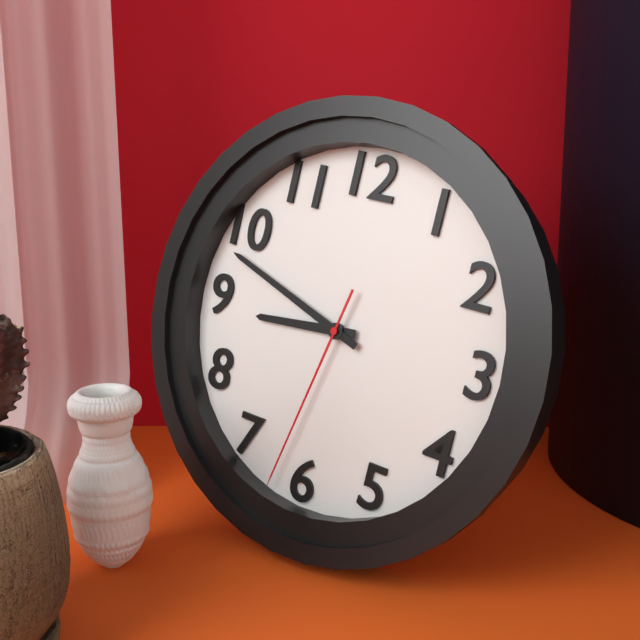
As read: {"hour": 8, "minute": 48, "second": 32}
